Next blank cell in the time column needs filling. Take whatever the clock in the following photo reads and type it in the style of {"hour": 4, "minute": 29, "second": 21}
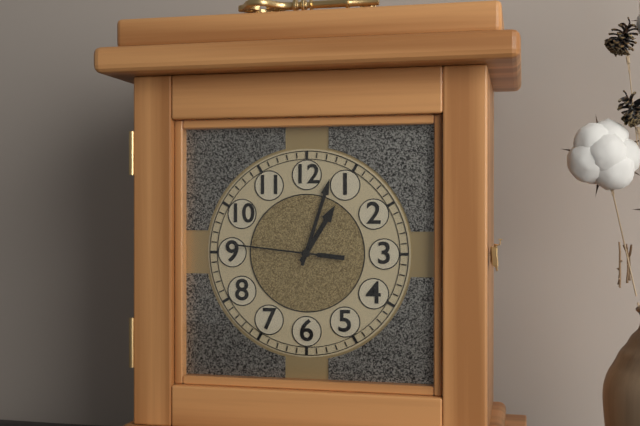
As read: {"hour": 1, "minute": 3, "second": 46}
